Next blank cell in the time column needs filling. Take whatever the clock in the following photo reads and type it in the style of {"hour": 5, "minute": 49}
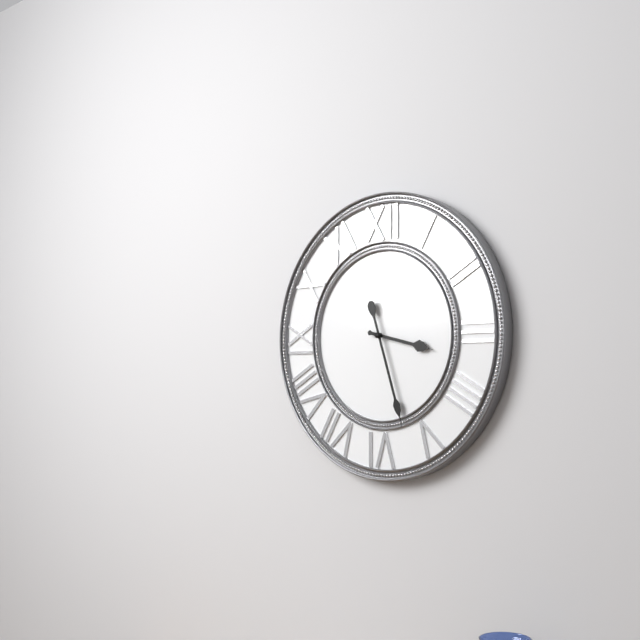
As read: {"hour": 3, "minute": 27}
